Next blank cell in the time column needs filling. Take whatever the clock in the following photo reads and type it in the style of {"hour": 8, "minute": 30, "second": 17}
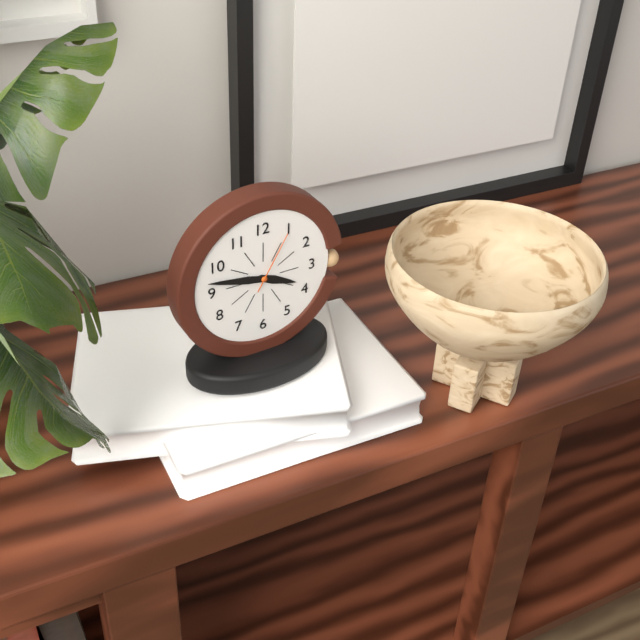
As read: {"hour": 3, "minute": 47, "second": 5}
